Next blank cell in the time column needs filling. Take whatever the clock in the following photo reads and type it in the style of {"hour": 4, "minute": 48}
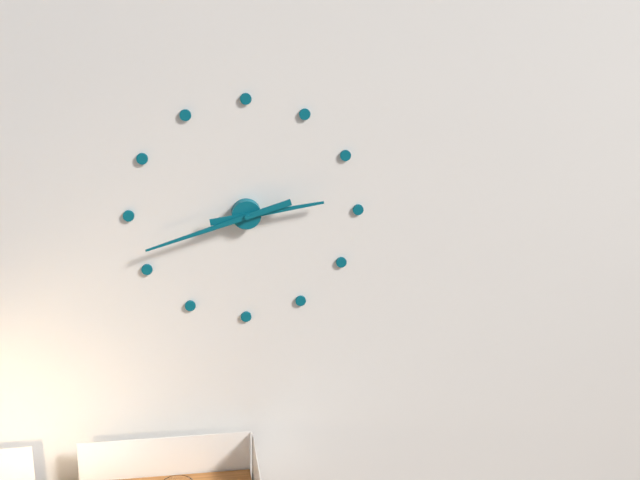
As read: {"hour": 2, "minute": 42}
